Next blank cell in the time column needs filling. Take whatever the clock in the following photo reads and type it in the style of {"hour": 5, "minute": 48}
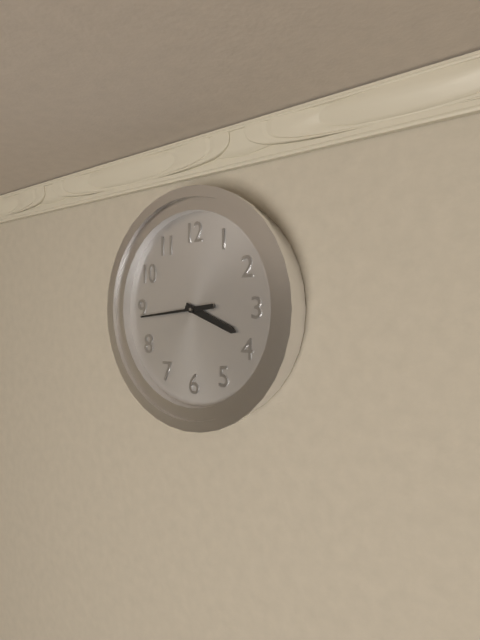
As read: {"hour": 3, "minute": 44}
